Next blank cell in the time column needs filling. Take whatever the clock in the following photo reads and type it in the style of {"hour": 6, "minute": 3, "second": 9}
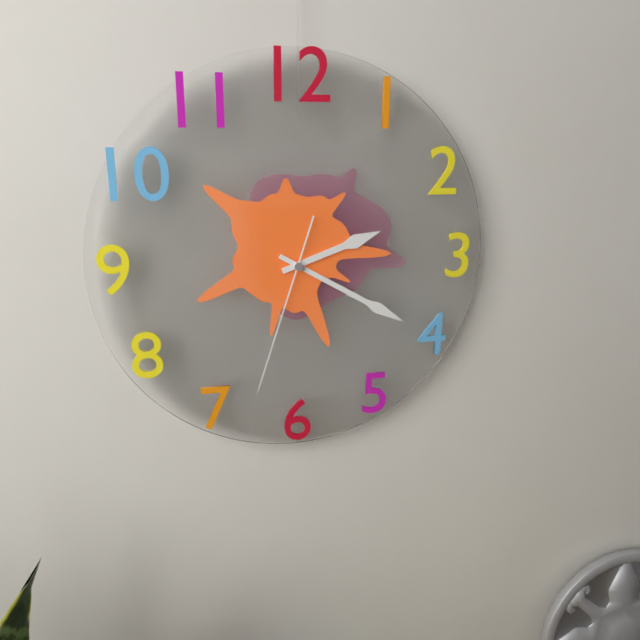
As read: {"hour": 2, "minute": 20, "second": 33}
